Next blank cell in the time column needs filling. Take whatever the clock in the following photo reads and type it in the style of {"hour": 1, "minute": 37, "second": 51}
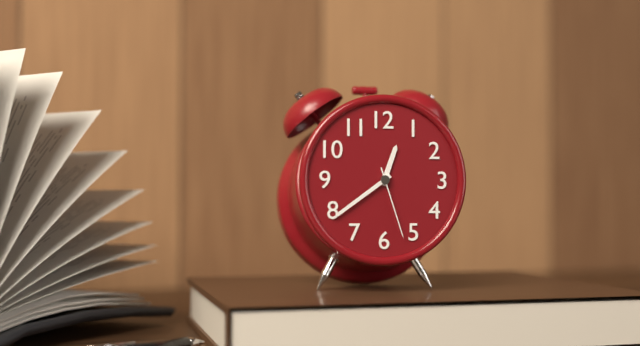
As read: {"hour": 12, "minute": 39, "second": 27}
